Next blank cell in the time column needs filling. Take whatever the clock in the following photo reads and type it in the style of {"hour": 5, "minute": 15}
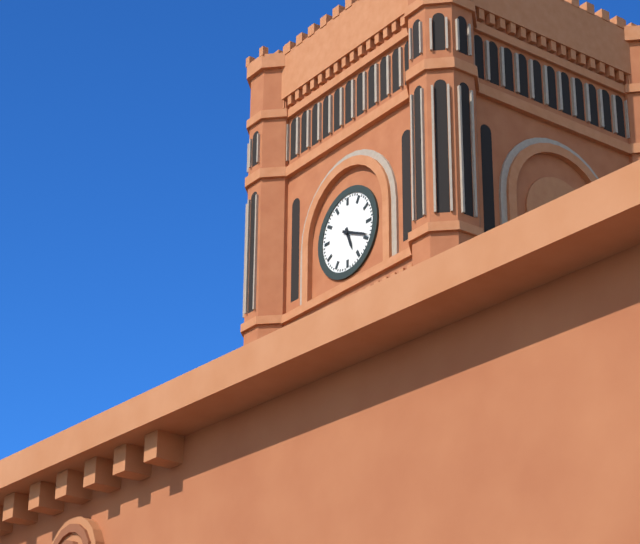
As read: {"hour": 5, "minute": 19}
